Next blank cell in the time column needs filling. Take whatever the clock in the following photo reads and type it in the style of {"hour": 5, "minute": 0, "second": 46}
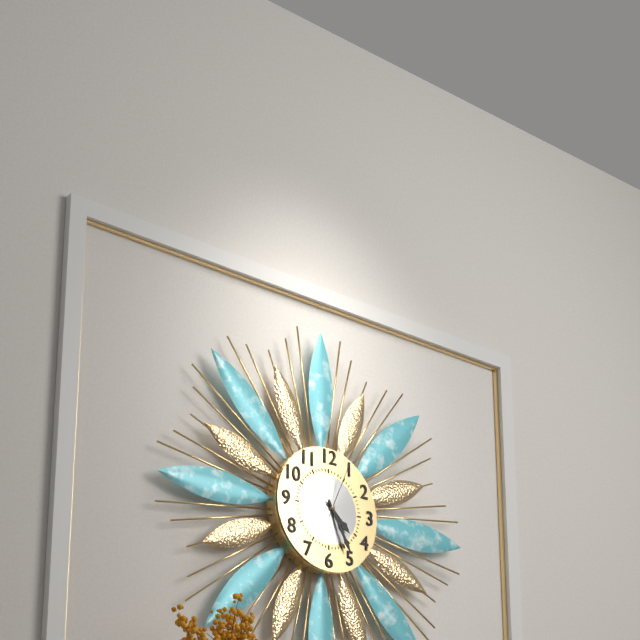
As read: {"hour": 4, "minute": 25, "second": 4}
